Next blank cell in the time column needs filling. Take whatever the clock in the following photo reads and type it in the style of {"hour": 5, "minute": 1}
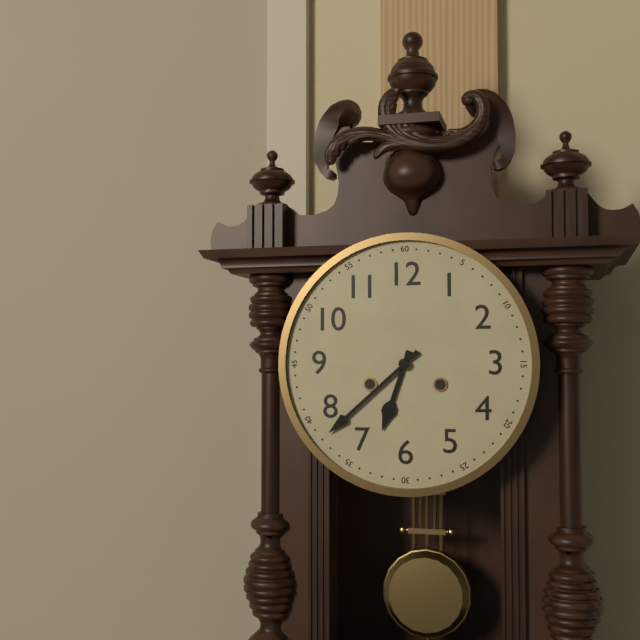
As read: {"hour": 6, "minute": 38}
